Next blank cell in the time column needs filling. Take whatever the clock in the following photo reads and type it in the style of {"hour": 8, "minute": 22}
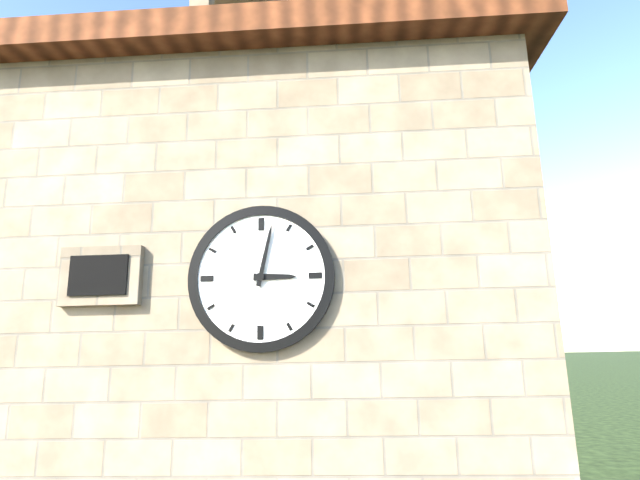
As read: {"hour": 3, "minute": 2}
